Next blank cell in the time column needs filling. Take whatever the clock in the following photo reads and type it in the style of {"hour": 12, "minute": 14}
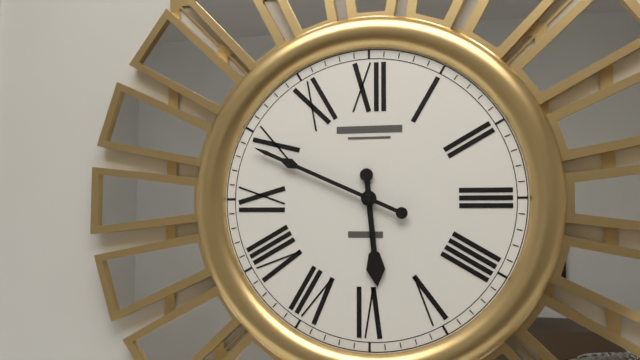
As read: {"hour": 5, "minute": 49}
